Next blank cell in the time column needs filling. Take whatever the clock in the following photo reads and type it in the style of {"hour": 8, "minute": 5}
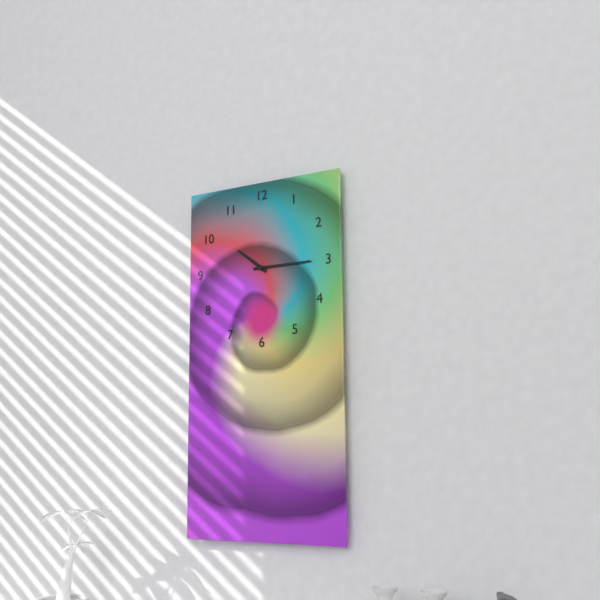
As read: {"hour": 10, "minute": 15}
